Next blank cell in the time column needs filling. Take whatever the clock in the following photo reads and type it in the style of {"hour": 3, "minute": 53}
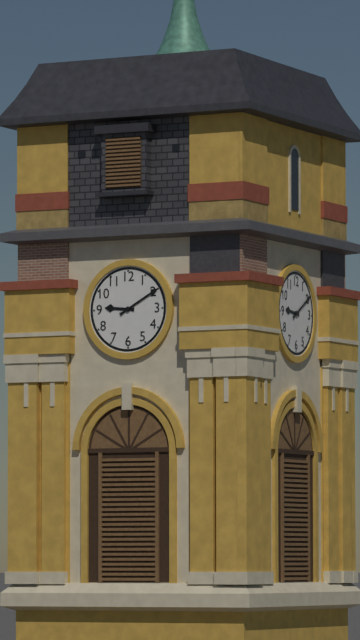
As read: {"hour": 9, "minute": 10}
